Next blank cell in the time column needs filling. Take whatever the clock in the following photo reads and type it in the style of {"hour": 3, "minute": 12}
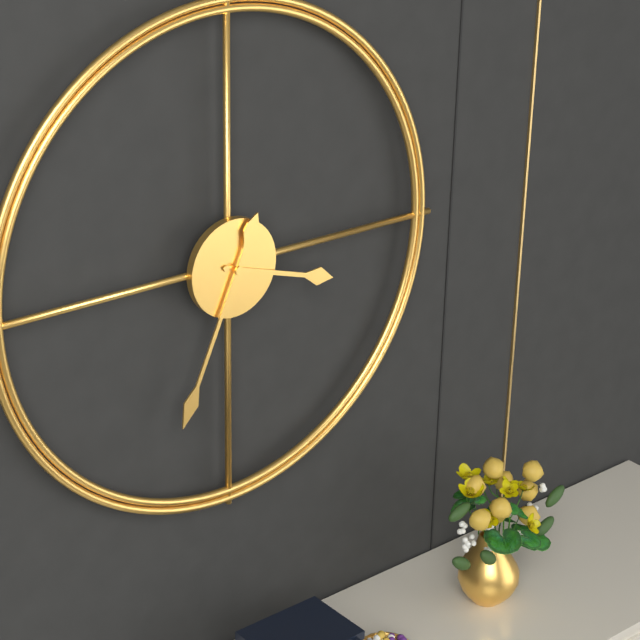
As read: {"hour": 3, "minute": 34}
